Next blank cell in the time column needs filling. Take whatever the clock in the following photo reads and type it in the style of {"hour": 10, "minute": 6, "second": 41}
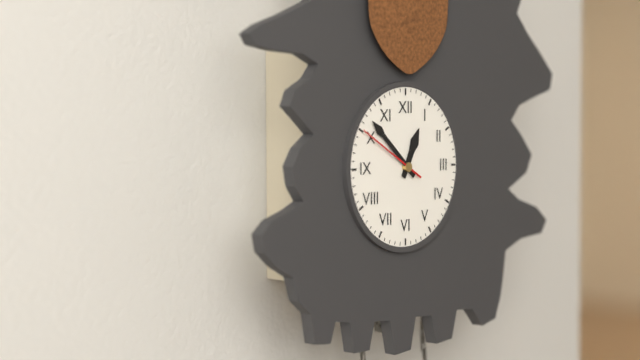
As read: {"hour": 12, "minute": 52, "second": 50}
